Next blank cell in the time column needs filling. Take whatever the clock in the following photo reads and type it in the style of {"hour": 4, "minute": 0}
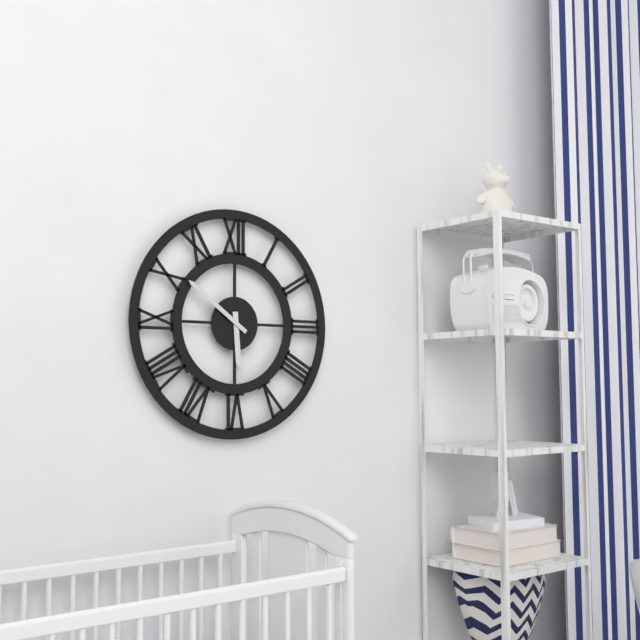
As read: {"hour": 5, "minute": 51}
